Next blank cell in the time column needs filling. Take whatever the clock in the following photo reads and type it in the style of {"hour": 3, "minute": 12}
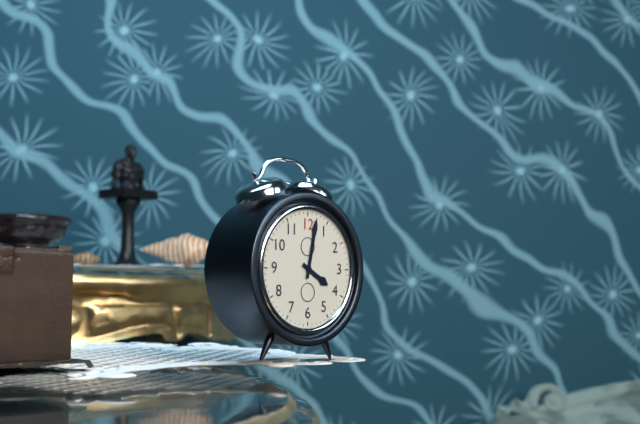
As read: {"hour": 4, "minute": 2}
